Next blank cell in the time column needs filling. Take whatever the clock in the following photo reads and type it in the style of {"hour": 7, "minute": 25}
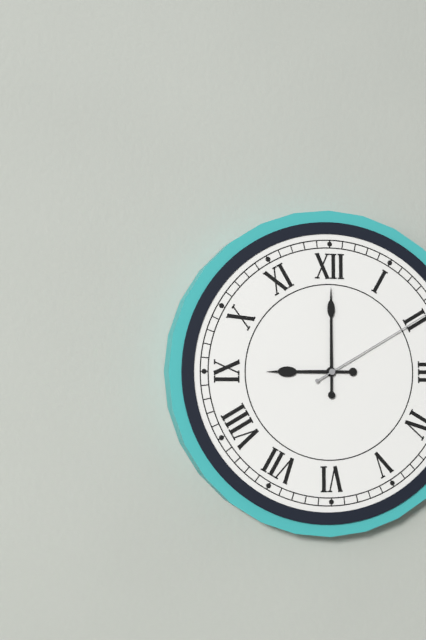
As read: {"hour": 9, "minute": 0}
